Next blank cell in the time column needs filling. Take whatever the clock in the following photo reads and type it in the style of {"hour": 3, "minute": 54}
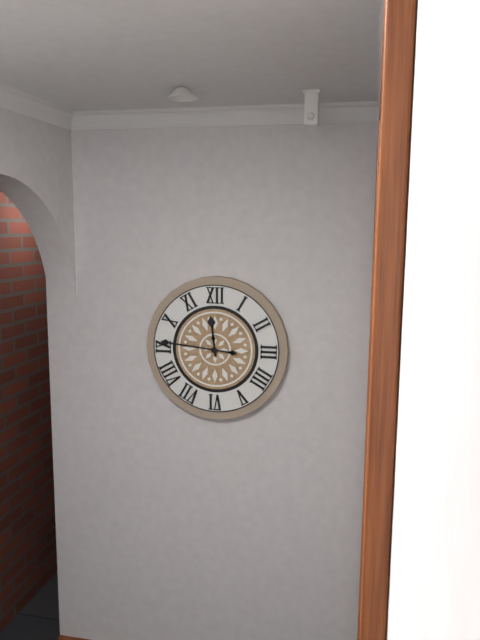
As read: {"hour": 11, "minute": 46}
